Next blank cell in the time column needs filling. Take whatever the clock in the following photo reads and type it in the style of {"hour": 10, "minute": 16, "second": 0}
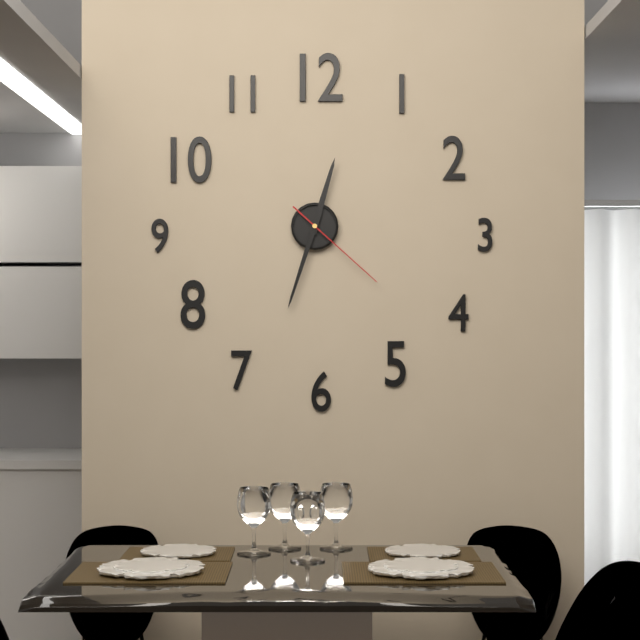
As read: {"hour": 12, "minute": 33, "second": 22}
